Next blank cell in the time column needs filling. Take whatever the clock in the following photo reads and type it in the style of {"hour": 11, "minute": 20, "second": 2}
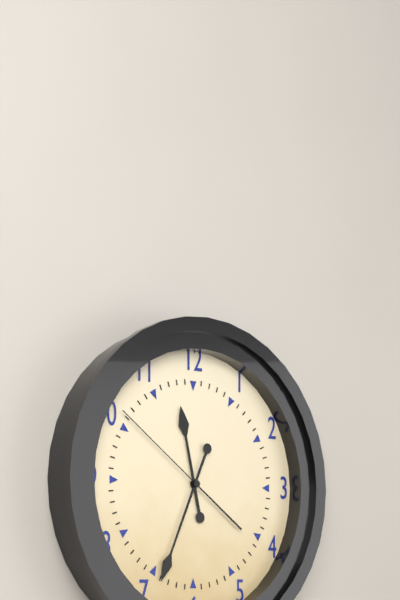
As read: {"hour": 11, "minute": 34, "second": 51}
